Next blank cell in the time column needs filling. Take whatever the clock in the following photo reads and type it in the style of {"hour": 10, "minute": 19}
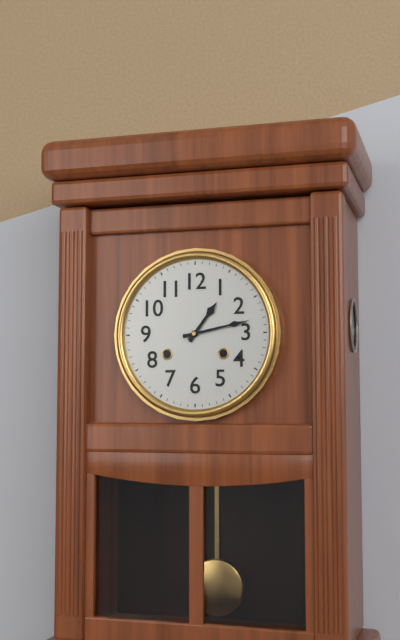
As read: {"hour": 1, "minute": 13}
